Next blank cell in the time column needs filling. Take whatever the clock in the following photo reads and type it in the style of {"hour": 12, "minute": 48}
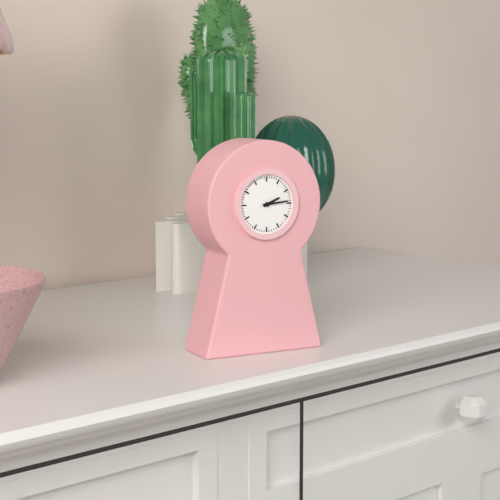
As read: {"hour": 2, "minute": 14}
